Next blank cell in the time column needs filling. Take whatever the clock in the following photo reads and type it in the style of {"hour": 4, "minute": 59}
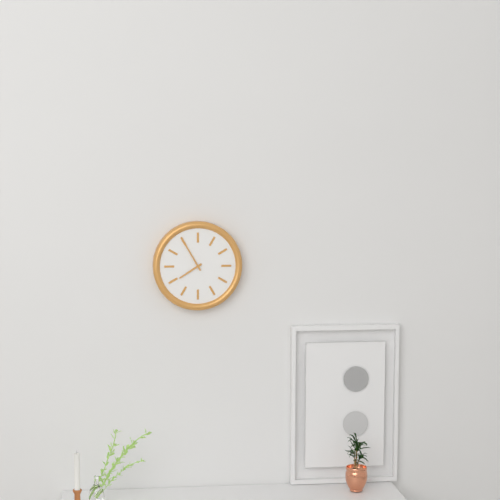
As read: {"hour": 7, "minute": 55}
